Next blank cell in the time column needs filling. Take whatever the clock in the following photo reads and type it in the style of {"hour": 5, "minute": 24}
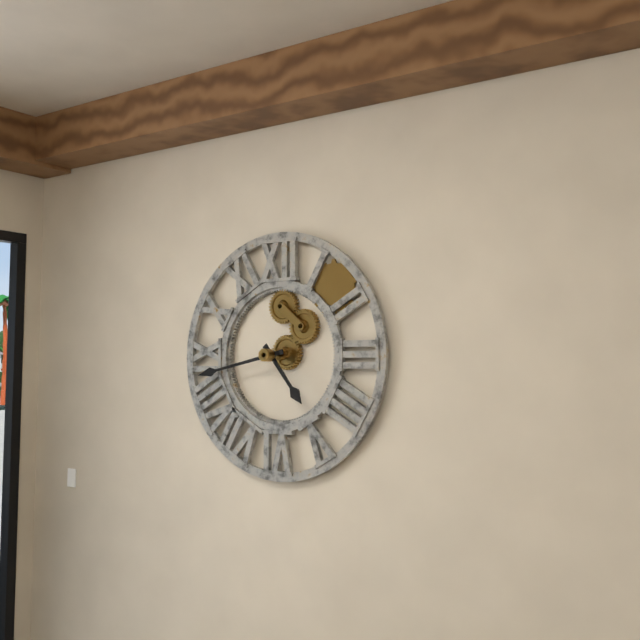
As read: {"hour": 4, "minute": 43}
